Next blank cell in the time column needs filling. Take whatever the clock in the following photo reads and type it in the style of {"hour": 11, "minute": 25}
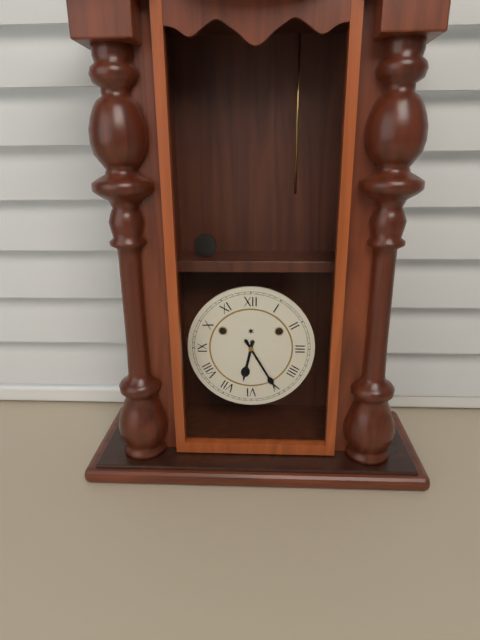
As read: {"hour": 6, "minute": 25}
